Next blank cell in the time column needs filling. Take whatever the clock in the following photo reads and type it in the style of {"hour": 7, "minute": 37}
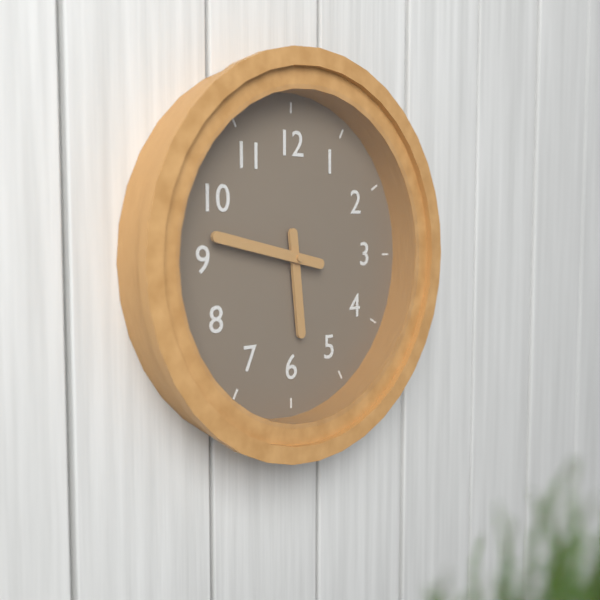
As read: {"hour": 5, "minute": 47}
